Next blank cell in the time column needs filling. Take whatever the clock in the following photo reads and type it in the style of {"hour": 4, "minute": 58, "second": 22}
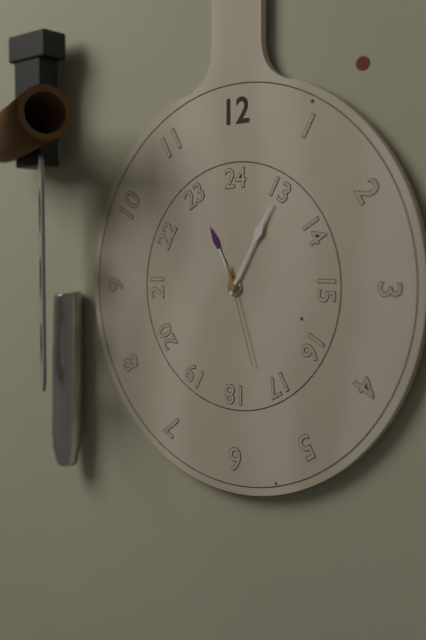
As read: {"hour": 11, "minute": 5, "second": 27}
